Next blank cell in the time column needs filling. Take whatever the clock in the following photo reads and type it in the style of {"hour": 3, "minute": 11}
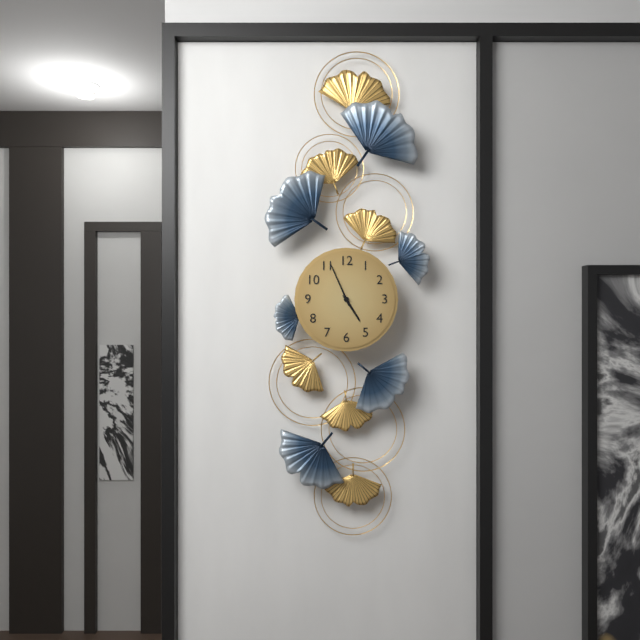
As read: {"hour": 4, "minute": 56}
